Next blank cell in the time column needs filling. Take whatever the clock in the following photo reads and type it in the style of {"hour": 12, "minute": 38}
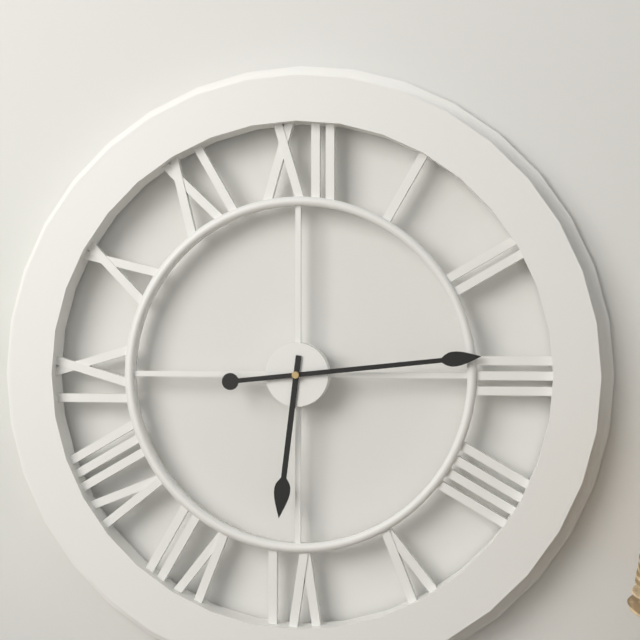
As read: {"hour": 6, "minute": 14}
